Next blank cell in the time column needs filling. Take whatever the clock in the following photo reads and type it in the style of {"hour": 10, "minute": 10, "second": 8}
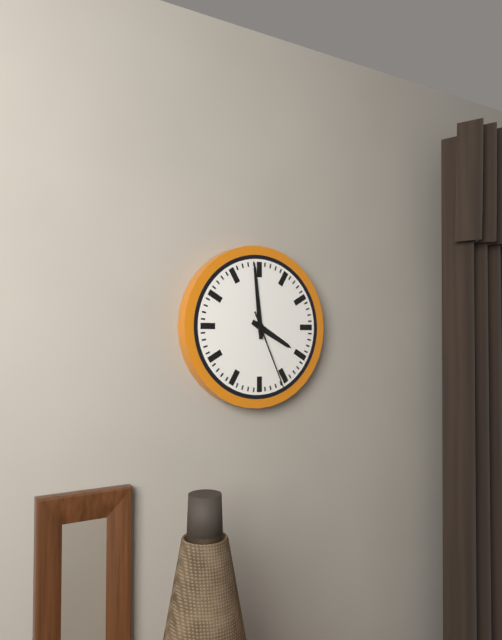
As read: {"hour": 3, "minute": 59, "second": 26}
